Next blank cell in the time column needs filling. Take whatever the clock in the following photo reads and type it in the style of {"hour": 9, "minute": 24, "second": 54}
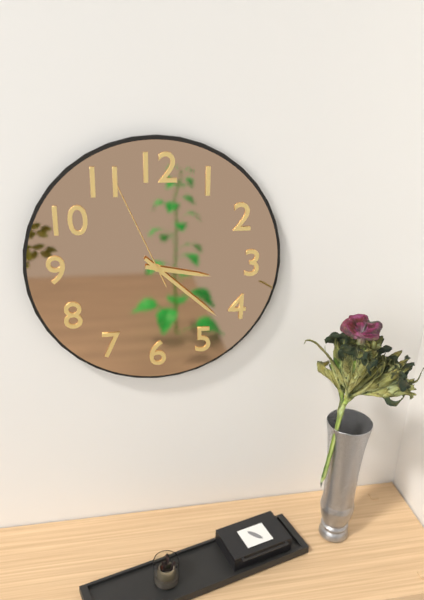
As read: {"hour": 3, "minute": 22, "second": 56}
